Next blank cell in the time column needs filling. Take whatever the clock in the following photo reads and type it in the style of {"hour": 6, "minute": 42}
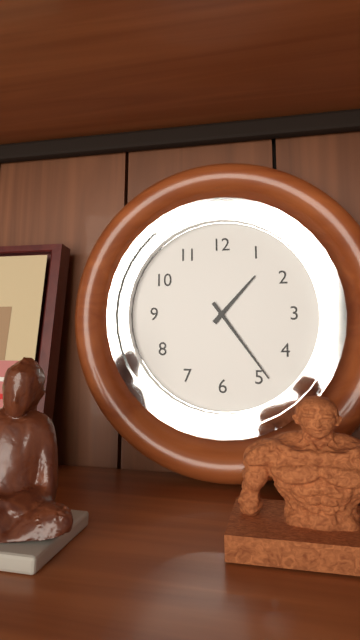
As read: {"hour": 1, "minute": 24}
